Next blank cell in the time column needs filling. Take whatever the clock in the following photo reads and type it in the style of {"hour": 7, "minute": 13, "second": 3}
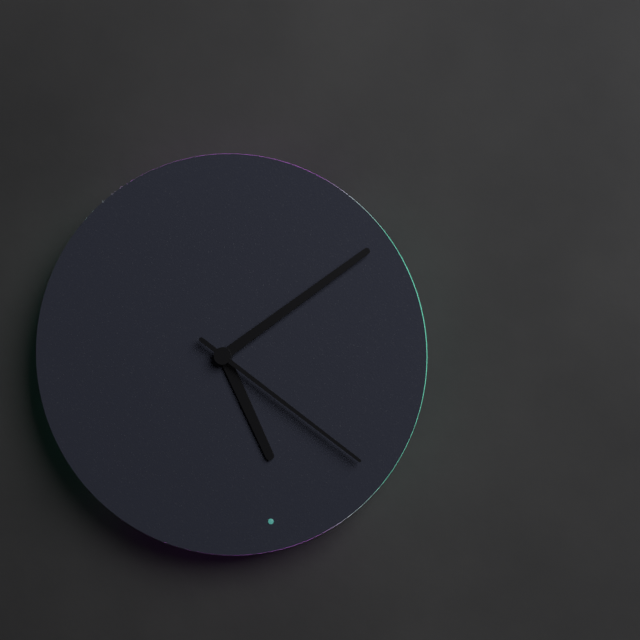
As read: {"hour": 5, "minute": 9, "second": 21}
